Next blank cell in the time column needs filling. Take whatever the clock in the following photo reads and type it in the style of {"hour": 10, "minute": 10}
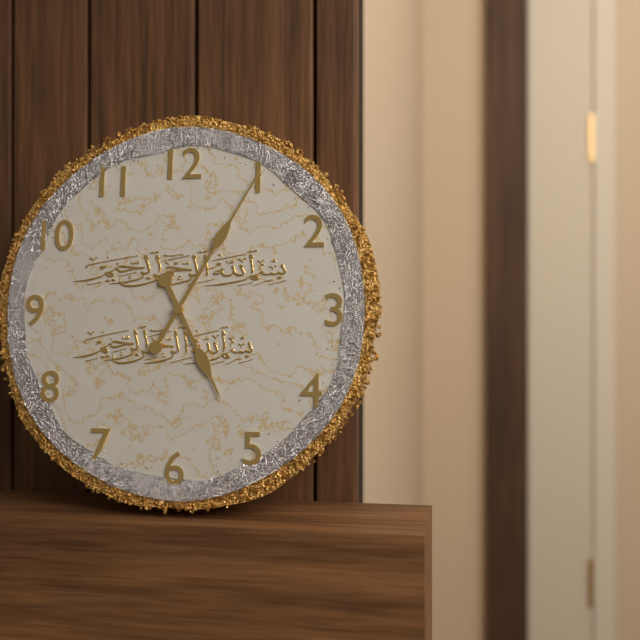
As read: {"hour": 5, "minute": 5}
